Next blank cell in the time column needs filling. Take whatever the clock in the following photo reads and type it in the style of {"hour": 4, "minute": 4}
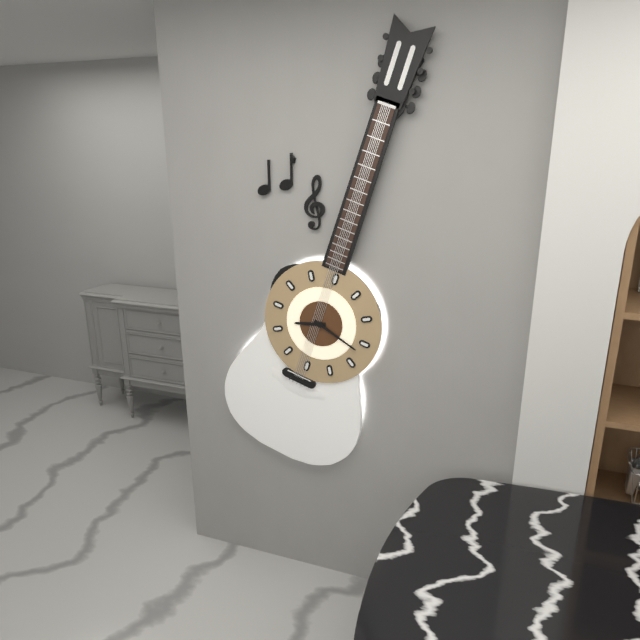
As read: {"hour": 8, "minute": 17}
